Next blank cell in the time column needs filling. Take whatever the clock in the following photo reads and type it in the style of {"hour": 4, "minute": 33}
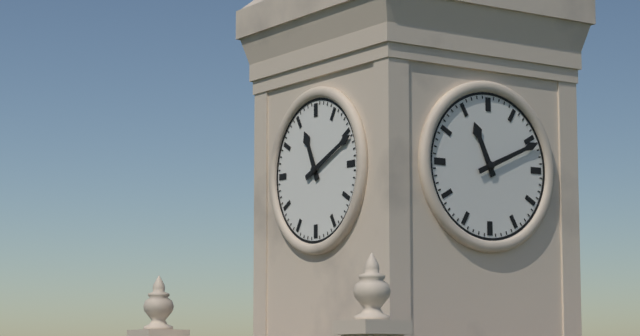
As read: {"hour": 11, "minute": 11}
